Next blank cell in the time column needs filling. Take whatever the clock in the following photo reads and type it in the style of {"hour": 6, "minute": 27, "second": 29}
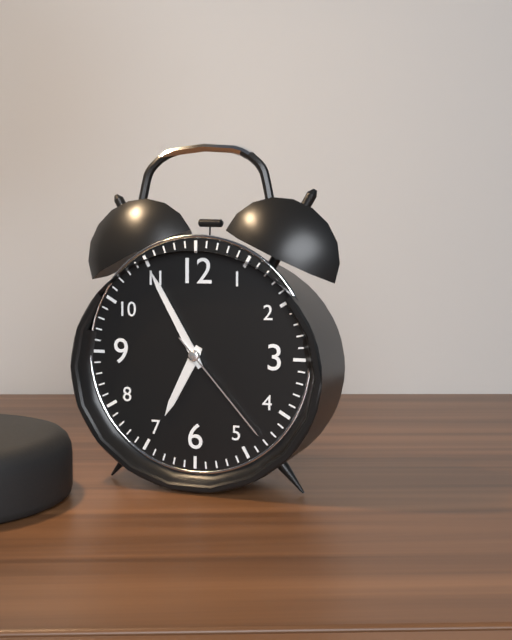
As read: {"hour": 6, "minute": 55, "second": 23}
